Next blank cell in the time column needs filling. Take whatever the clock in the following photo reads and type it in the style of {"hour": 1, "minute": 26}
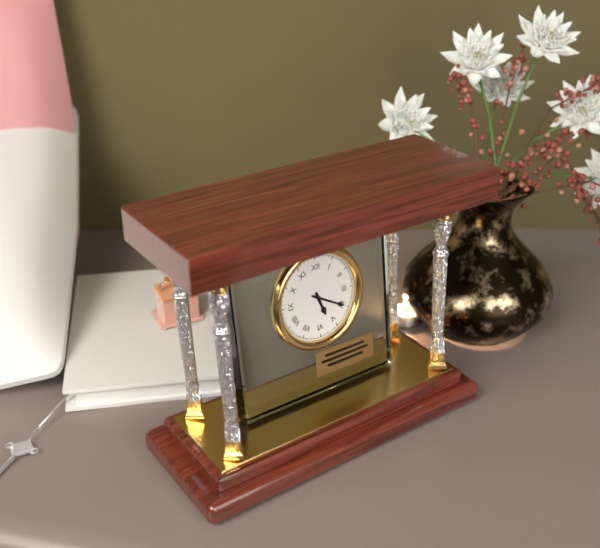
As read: {"hour": 5, "minute": 20}
